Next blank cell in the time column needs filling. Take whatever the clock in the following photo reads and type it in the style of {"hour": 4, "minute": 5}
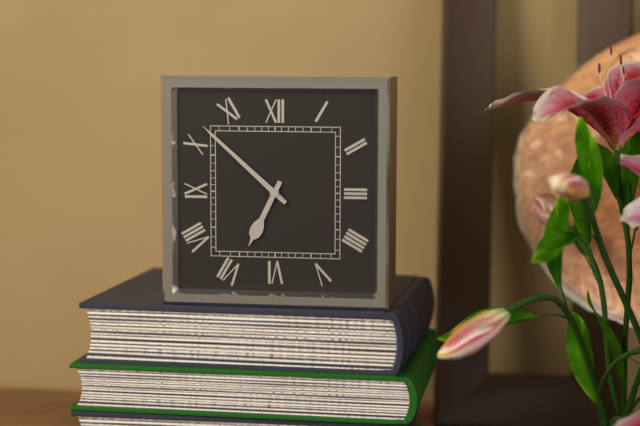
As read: {"hour": 6, "minute": 52}
